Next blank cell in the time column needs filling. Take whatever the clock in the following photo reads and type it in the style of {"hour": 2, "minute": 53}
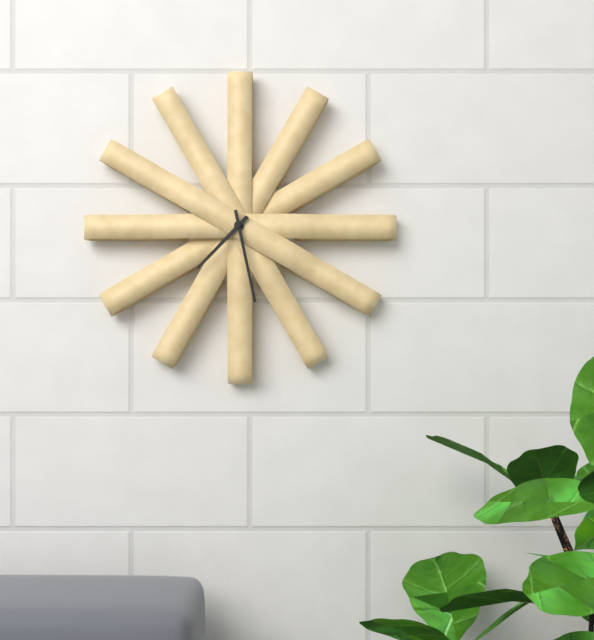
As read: {"hour": 7, "minute": 28}
